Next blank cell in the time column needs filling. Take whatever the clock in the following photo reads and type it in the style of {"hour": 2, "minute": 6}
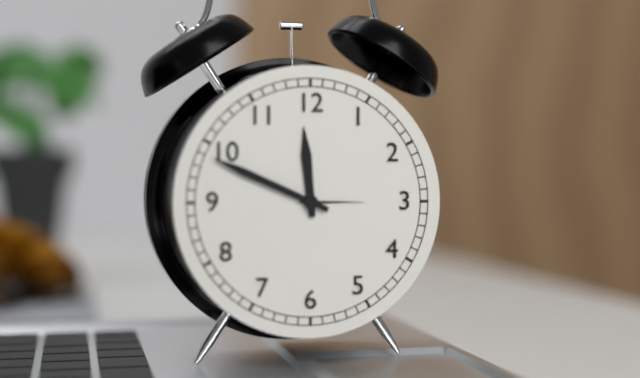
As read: {"hour": 11, "minute": 49}
